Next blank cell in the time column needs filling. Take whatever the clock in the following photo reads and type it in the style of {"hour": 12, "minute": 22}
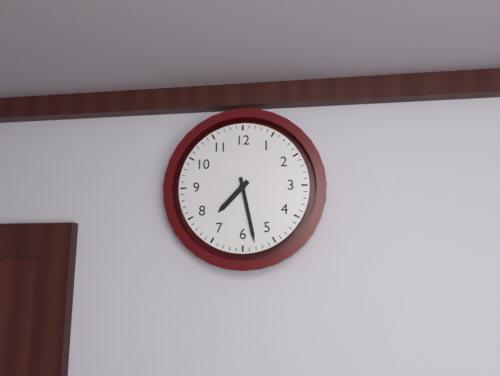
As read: {"hour": 7, "minute": 28}
